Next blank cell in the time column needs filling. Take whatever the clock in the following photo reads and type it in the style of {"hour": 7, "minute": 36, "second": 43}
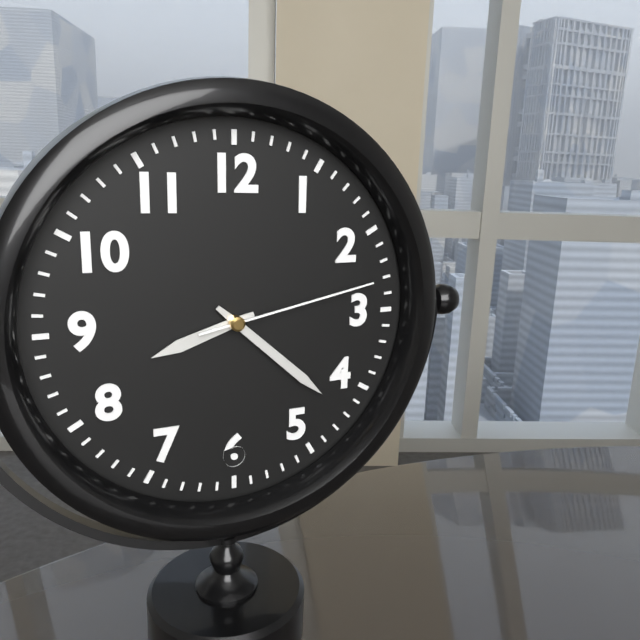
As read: {"hour": 8, "minute": 22, "second": 13}
